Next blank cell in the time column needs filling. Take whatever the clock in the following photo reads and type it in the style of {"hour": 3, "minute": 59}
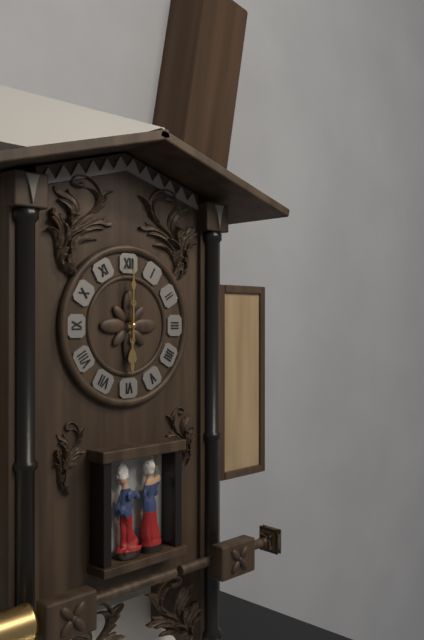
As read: {"hour": 6, "minute": 0}
